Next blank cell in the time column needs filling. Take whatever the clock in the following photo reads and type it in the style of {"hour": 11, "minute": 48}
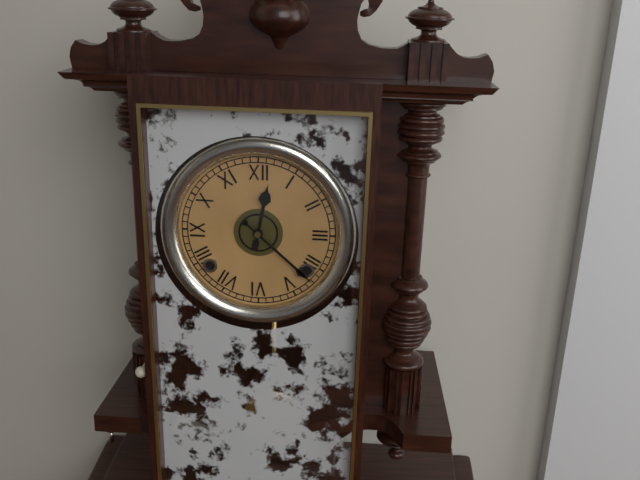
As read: {"hour": 12, "minute": 22}
